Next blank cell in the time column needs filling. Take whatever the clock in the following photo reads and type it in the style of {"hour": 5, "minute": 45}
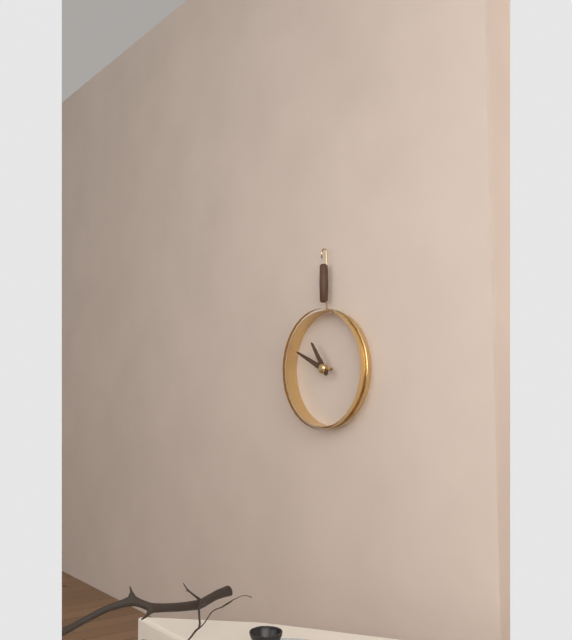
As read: {"hour": 10, "minute": 49}
